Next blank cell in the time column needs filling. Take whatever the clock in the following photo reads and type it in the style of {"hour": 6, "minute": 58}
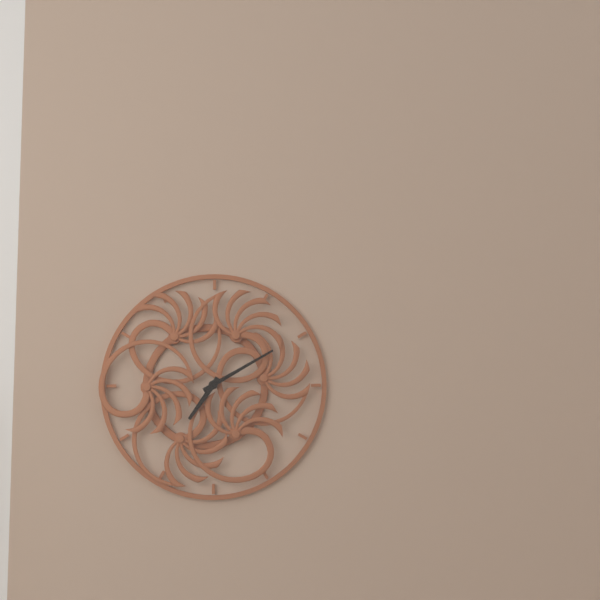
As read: {"hour": 7, "minute": 10}
